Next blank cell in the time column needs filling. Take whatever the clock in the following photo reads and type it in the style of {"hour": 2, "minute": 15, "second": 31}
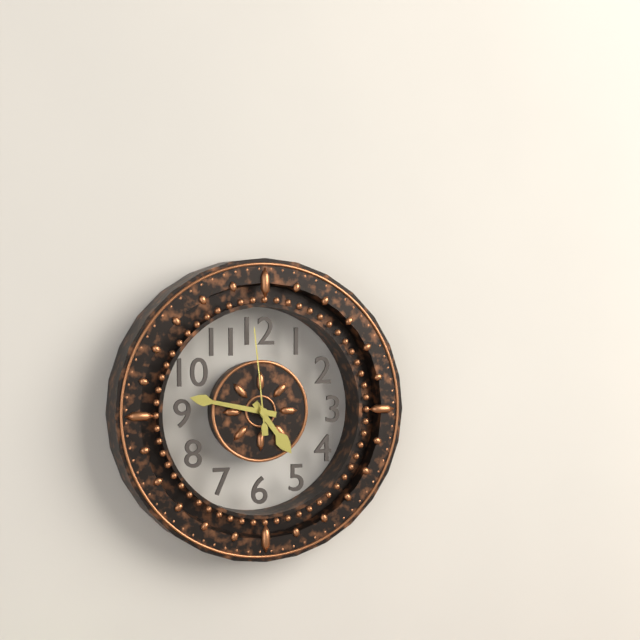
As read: {"hour": 4, "minute": 47, "second": 59}
